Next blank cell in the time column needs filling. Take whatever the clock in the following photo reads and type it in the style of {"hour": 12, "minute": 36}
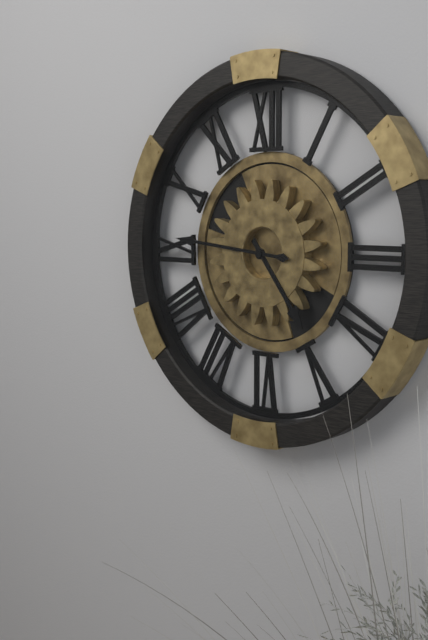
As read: {"hour": 4, "minute": 46}
